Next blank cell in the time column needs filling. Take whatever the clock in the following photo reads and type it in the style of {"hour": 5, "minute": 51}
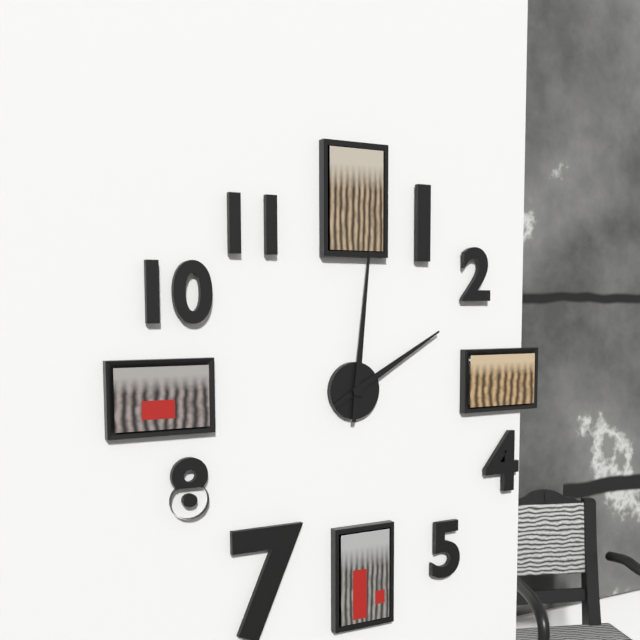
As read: {"hour": 2, "minute": 1}
